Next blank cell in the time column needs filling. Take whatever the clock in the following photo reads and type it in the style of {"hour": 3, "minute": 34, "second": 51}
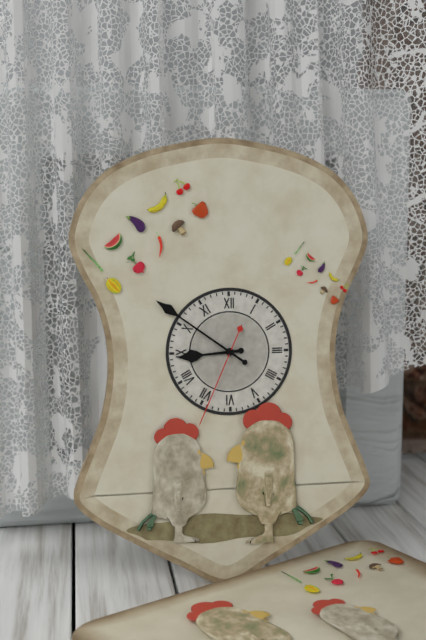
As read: {"hour": 8, "minute": 51, "second": 34}
